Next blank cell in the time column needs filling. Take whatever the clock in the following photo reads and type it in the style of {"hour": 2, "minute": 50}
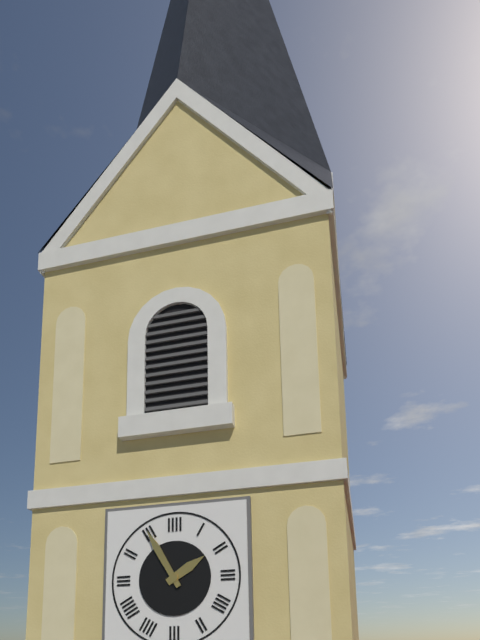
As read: {"hour": 1, "minute": 55}
